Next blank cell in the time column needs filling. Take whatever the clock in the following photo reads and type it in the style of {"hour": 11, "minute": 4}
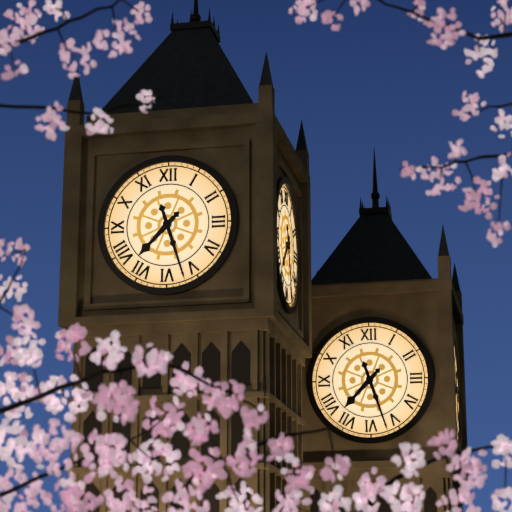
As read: {"hour": 7, "minute": 27}
